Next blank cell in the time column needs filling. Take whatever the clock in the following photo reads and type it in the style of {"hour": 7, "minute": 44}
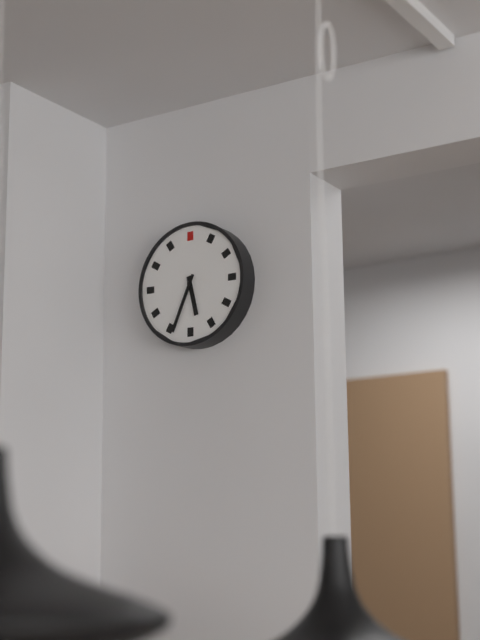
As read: {"hour": 5, "minute": 34}
